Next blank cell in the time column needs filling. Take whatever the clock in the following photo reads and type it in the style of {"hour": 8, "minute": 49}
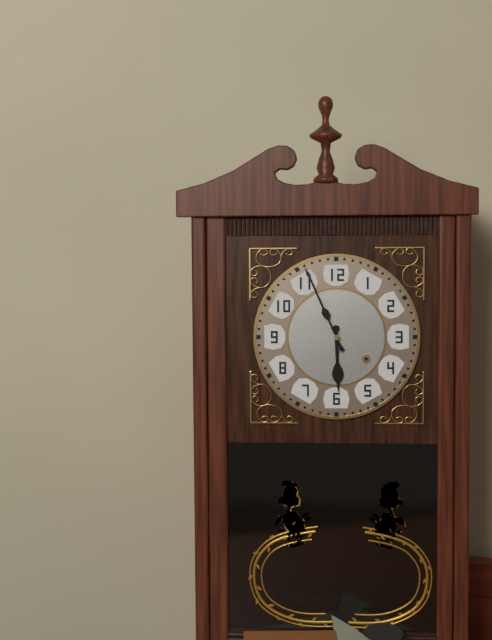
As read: {"hour": 5, "minute": 56}
